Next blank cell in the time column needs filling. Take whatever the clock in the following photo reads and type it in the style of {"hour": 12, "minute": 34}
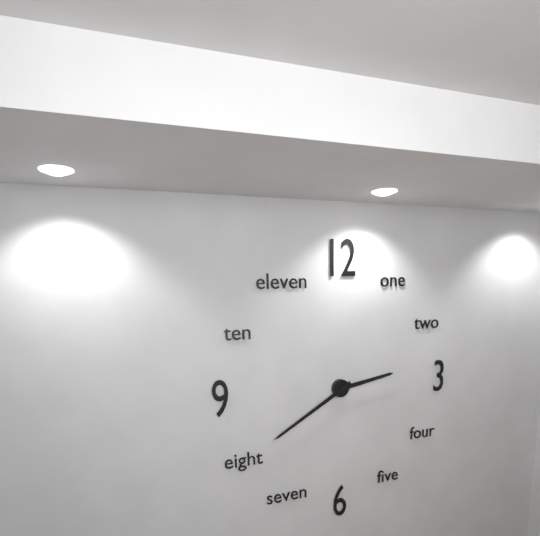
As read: {"hour": 2, "minute": 40}
